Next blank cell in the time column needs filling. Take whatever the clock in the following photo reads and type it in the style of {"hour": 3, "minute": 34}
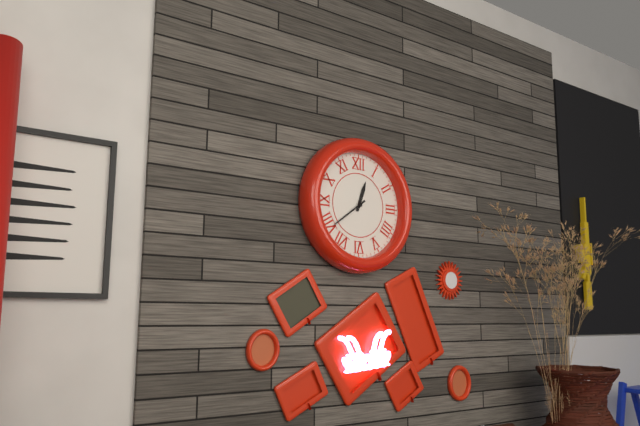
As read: {"hour": 12, "minute": 39}
